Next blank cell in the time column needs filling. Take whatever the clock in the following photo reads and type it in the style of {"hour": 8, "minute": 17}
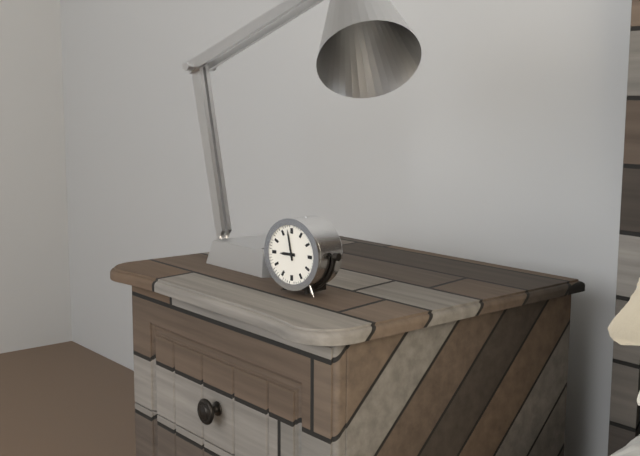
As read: {"hour": 8, "minute": 58}
